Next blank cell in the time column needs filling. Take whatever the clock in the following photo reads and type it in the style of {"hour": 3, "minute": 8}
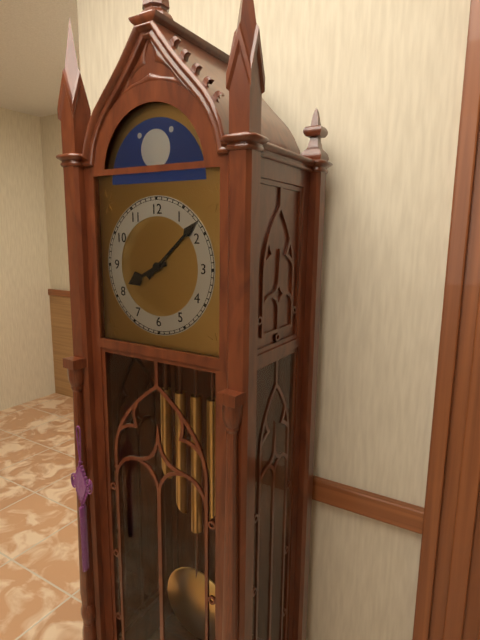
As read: {"hour": 8, "minute": 8}
